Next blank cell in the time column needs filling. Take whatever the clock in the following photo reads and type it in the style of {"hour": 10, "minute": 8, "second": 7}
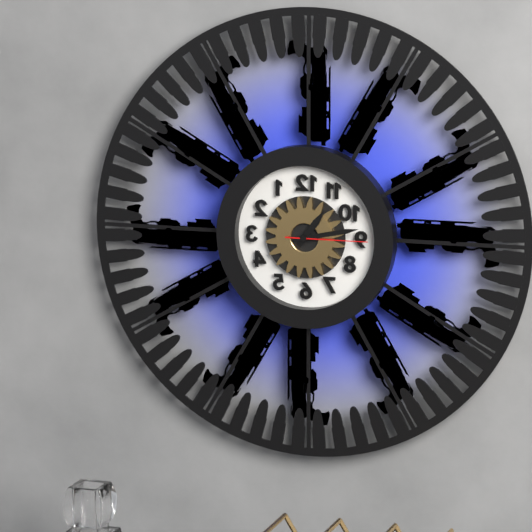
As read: {"hour": 1, "minute": 13, "second": 15}
